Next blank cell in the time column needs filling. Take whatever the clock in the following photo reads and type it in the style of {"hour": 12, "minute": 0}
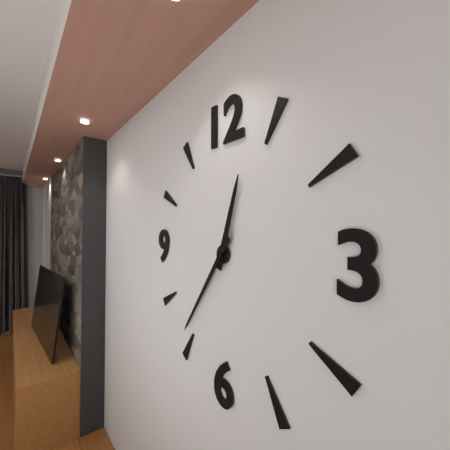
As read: {"hour": 12, "minute": 36}
